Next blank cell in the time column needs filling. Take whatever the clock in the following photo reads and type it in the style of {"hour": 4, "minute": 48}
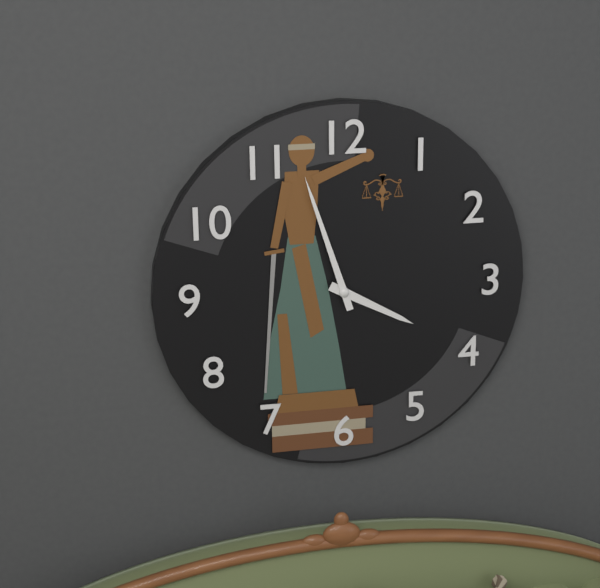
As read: {"hour": 3, "minute": 57}
